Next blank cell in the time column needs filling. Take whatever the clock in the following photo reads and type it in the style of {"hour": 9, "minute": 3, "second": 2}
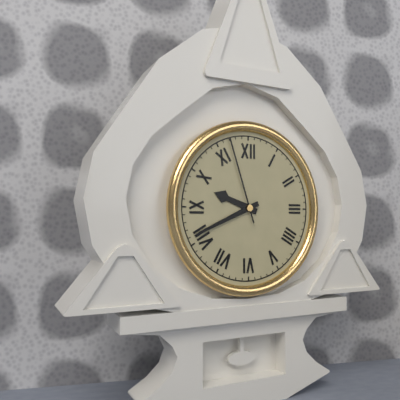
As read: {"hour": 9, "minute": 41, "second": 57}
